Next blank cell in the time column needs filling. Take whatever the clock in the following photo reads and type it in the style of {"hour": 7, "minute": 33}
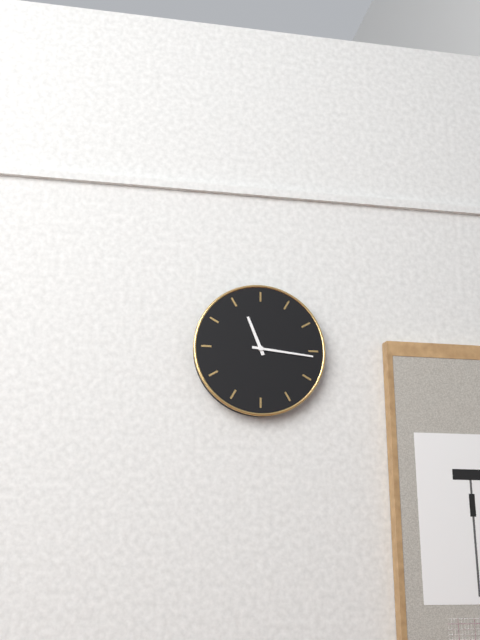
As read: {"hour": 11, "minute": 16}
